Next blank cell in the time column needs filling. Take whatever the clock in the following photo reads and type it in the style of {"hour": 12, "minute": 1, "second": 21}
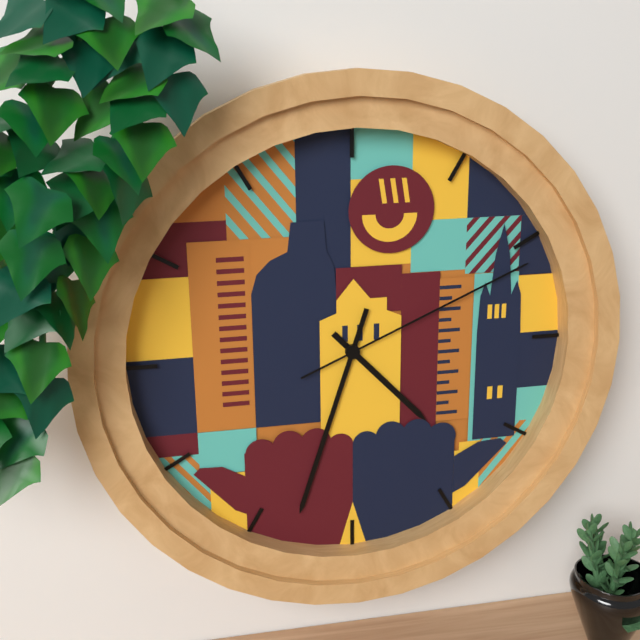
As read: {"hour": 4, "minute": 33, "second": 11}
